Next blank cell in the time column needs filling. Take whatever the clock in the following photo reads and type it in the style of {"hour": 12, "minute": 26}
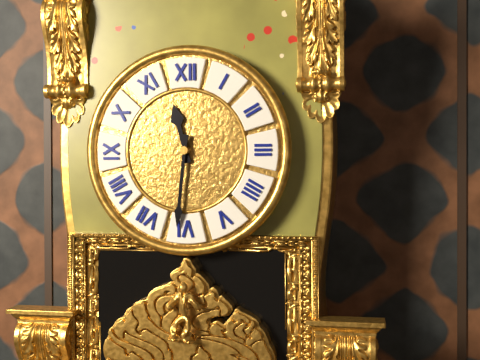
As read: {"hour": 11, "minute": 31}
